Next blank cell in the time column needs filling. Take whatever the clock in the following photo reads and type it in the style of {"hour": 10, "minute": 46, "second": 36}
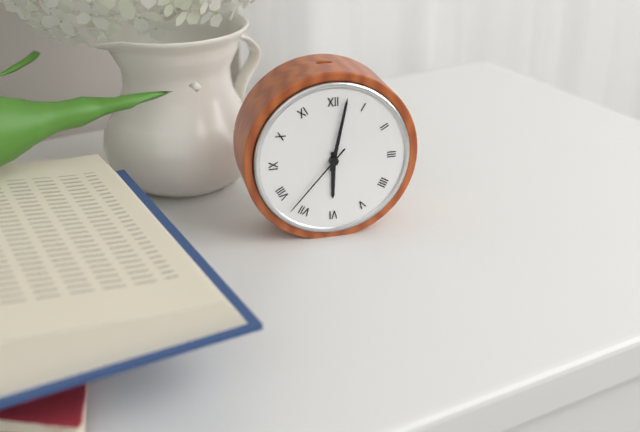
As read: {"hour": 6, "minute": 2, "second": 37}
